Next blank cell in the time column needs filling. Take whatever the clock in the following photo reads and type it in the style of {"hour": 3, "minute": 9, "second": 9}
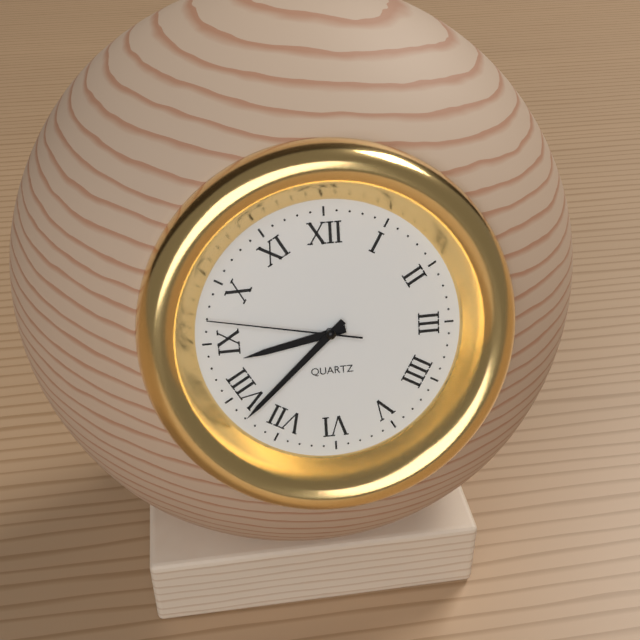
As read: {"hour": 8, "minute": 38, "second": 47}
